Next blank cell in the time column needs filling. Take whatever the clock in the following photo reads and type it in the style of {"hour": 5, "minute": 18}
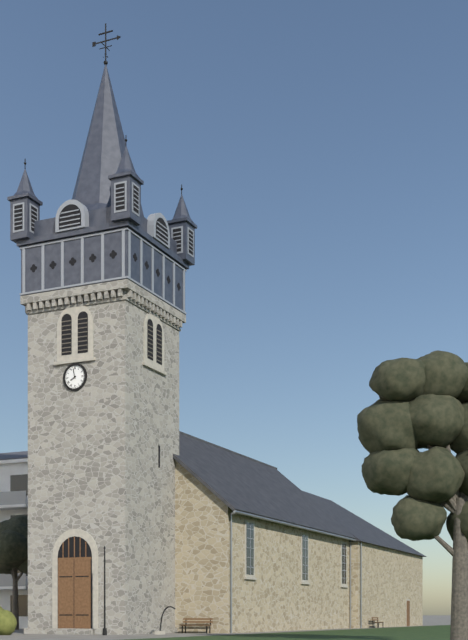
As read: {"hour": 7, "minute": 58}
